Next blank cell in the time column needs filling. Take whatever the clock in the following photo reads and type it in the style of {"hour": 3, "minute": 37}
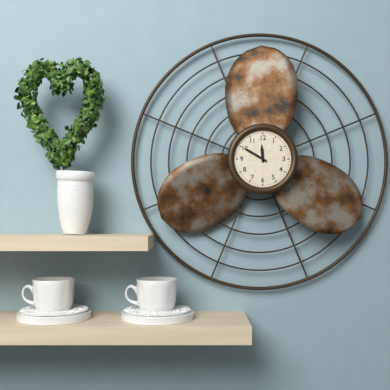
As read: {"hour": 11, "minute": 50}
